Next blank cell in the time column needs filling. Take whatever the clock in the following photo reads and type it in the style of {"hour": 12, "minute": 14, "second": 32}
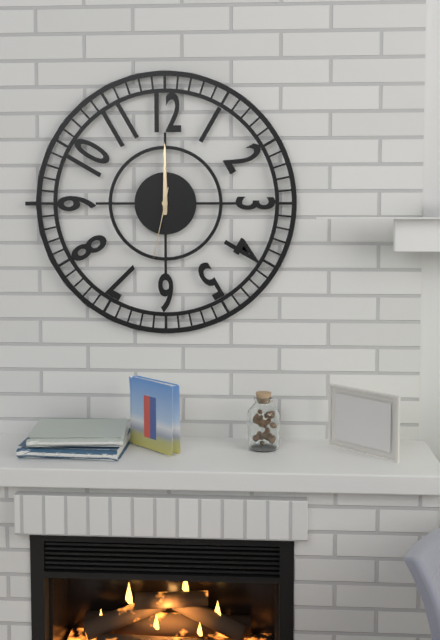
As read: {"hour": 12, "minute": 0, "second": 32}
